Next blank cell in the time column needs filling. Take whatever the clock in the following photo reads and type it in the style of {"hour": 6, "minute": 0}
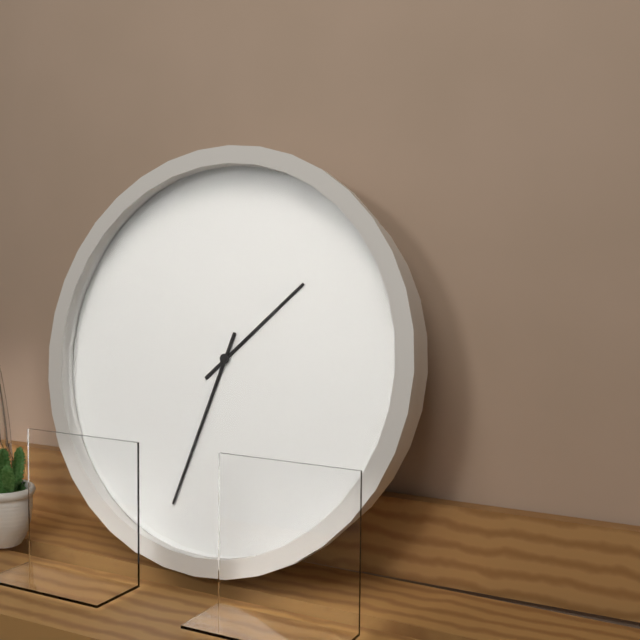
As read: {"hour": 1, "minute": 33}
